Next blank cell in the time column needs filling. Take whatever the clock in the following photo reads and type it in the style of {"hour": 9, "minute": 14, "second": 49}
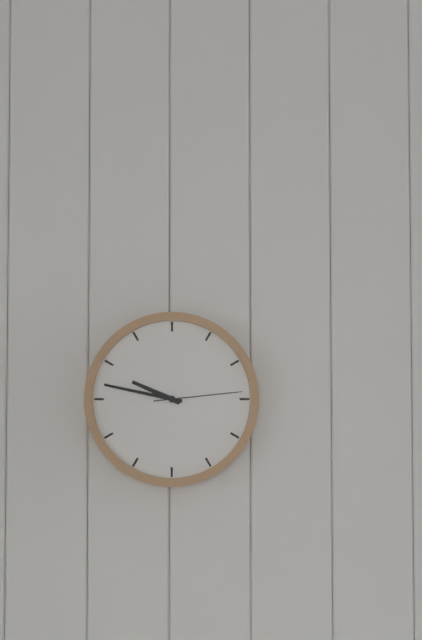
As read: {"hour": 9, "minute": 47, "second": 14}
